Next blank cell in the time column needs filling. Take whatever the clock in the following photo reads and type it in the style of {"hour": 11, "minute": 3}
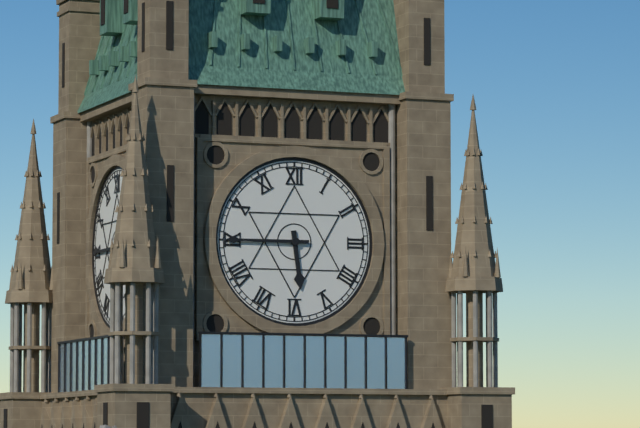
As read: {"hour": 5, "minute": 45}
